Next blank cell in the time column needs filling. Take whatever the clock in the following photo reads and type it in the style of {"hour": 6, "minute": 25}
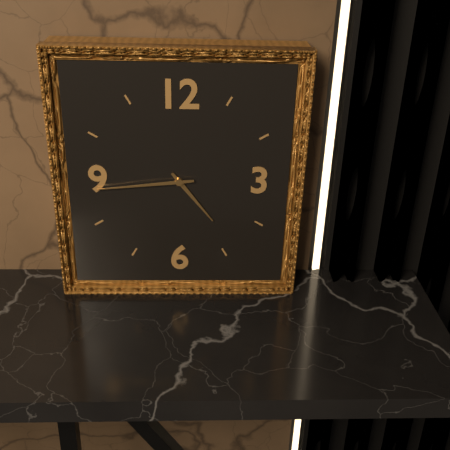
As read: {"hour": 4, "minute": 44}
